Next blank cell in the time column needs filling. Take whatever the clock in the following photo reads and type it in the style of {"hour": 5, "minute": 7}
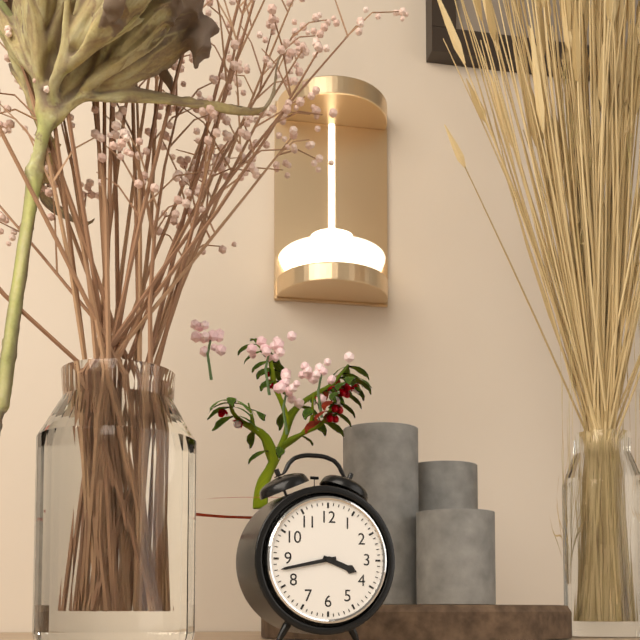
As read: {"hour": 3, "minute": 43}
